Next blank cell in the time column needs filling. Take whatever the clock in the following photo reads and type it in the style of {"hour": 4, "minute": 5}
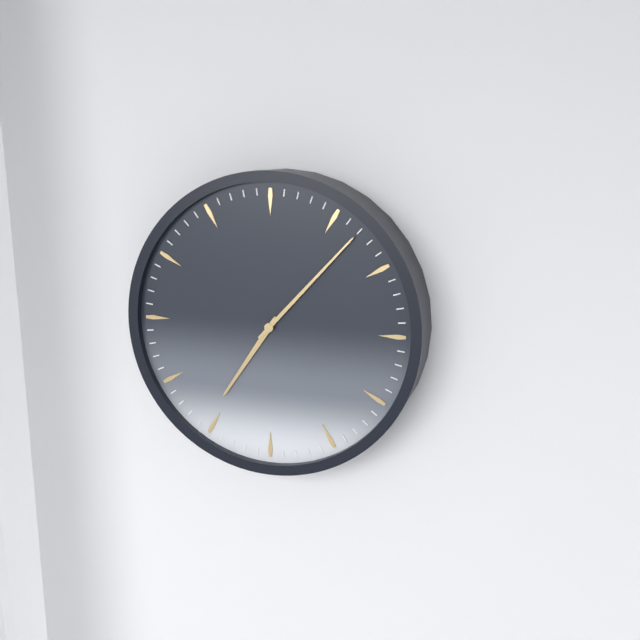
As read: {"hour": 7, "minute": 7}
